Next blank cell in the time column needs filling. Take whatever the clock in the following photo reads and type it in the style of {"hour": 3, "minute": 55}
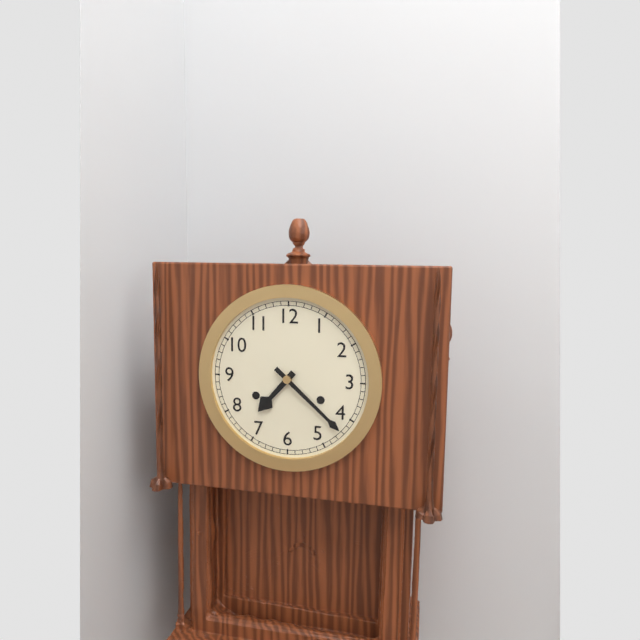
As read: {"hour": 7, "minute": 22}
